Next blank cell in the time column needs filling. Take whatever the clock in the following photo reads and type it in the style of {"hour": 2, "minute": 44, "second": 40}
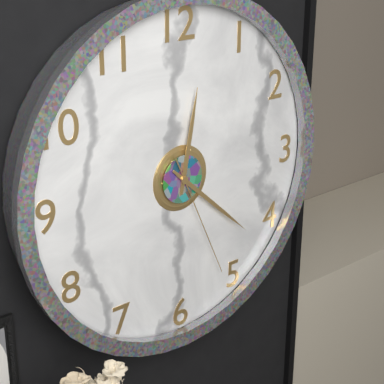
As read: {"hour": 12, "minute": 22, "second": 26}
